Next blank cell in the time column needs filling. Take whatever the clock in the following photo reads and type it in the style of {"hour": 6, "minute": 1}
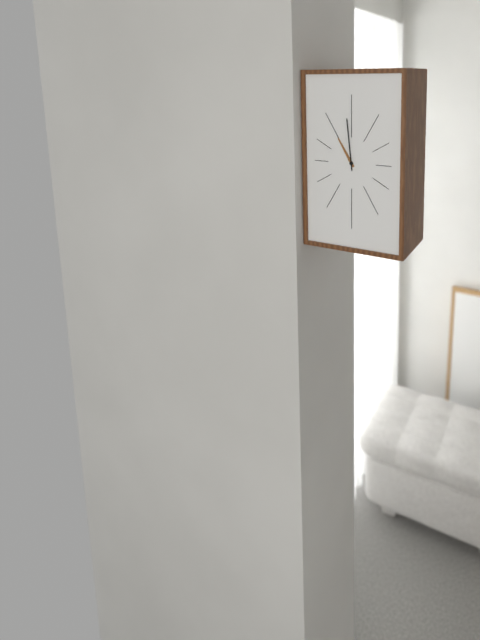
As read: {"hour": 10, "minute": 59}
